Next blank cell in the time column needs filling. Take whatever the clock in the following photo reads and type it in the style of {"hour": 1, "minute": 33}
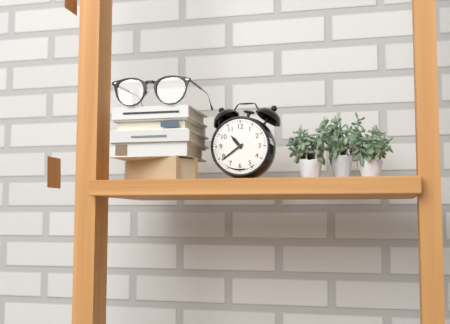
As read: {"hour": 10, "minute": 39}
